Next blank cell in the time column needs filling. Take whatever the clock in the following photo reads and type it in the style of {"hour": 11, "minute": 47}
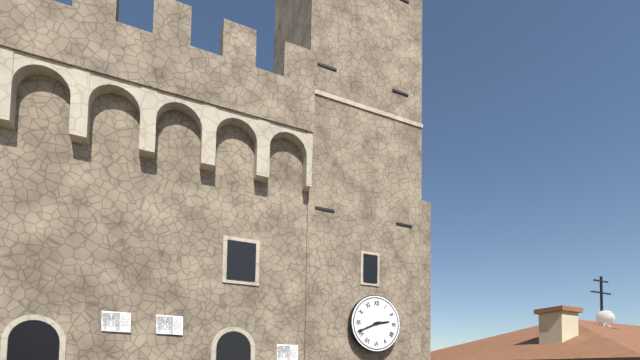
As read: {"hour": 2, "minute": 41}
